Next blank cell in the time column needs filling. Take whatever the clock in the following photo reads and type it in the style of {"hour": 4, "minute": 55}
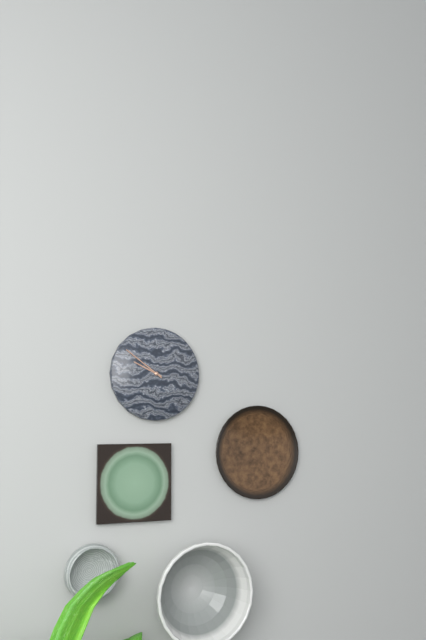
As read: {"hour": 9, "minute": 51}
